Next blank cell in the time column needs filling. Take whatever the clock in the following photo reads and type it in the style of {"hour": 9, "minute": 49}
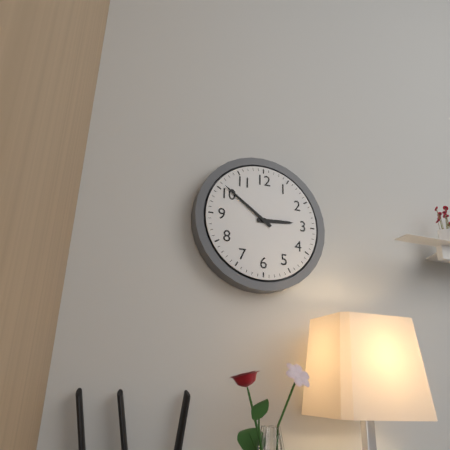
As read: {"hour": 2, "minute": 51}
